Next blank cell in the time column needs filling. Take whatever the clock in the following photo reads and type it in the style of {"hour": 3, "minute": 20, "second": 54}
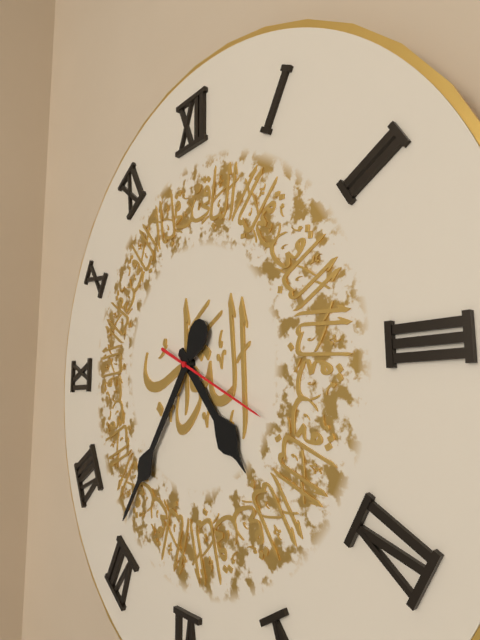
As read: {"hour": 4, "minute": 36, "second": 19}
